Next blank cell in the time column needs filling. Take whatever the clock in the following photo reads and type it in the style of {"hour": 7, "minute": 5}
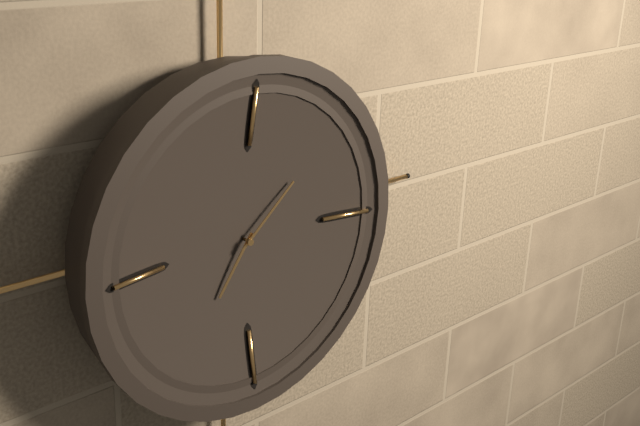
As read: {"hour": 7, "minute": 8}
